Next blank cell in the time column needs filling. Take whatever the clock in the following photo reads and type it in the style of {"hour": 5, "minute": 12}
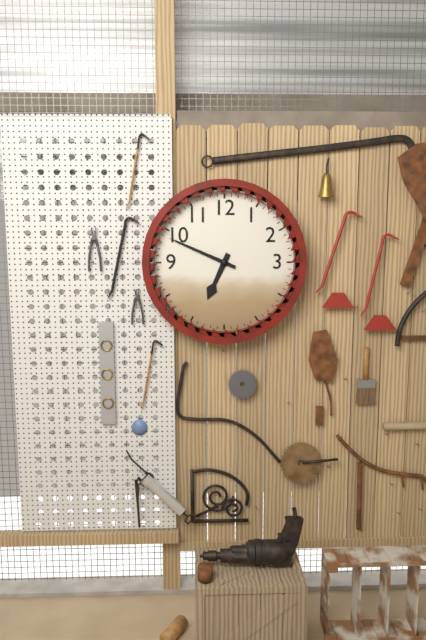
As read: {"hour": 6, "minute": 49}
